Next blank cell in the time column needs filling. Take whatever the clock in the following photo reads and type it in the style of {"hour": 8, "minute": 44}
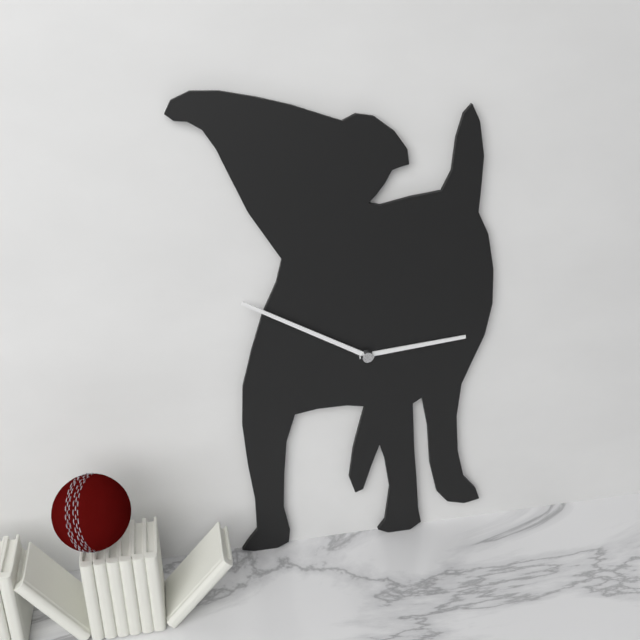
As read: {"hour": 2, "minute": 50}
